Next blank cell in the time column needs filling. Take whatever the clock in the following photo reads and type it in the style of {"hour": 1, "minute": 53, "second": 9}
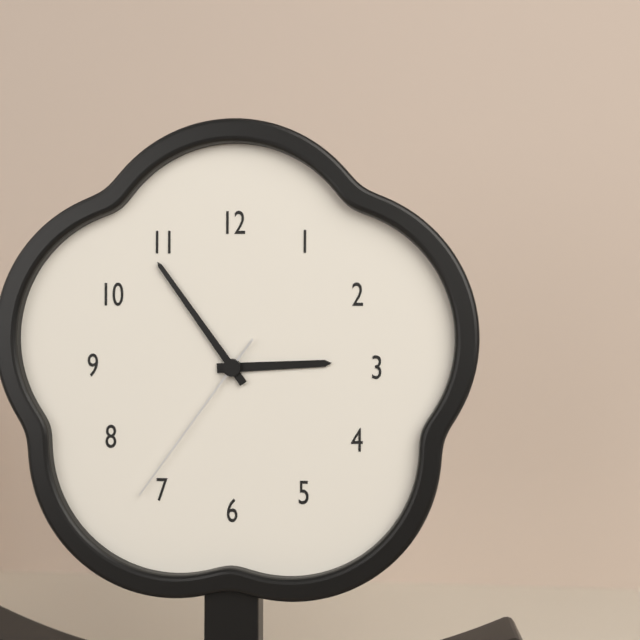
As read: {"hour": 2, "minute": 54, "second": 36}
